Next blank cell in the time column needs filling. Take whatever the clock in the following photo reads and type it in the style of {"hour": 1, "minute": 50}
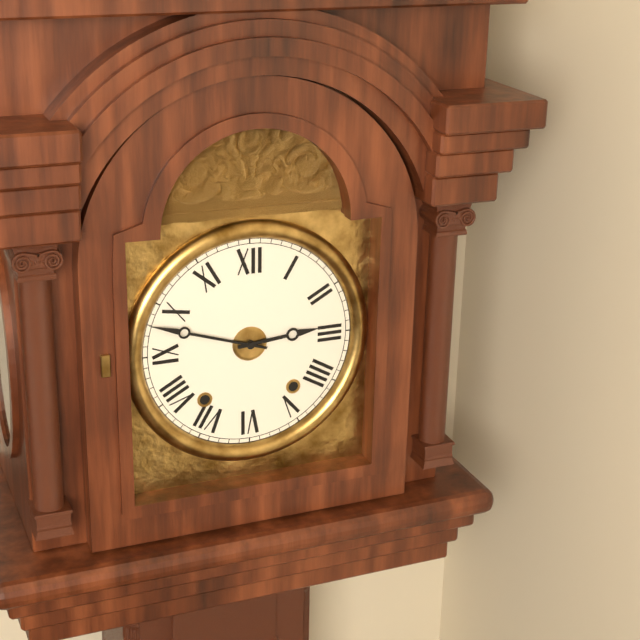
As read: {"hour": 2, "minute": 48}
